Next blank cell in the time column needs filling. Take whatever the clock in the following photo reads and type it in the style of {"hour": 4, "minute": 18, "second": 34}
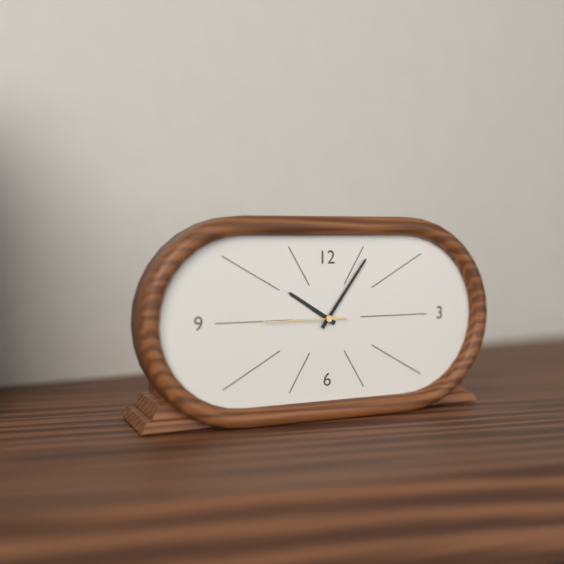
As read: {"hour": 10, "minute": 6, "second": 45}
